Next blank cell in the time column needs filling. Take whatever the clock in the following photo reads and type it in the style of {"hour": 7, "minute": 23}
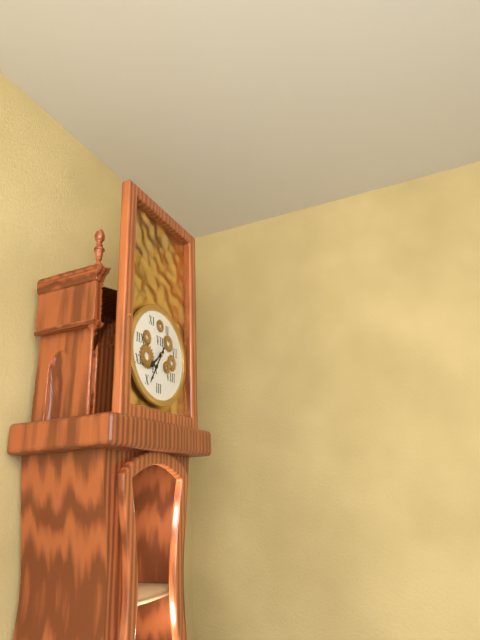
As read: {"hour": 7, "minute": 35}
